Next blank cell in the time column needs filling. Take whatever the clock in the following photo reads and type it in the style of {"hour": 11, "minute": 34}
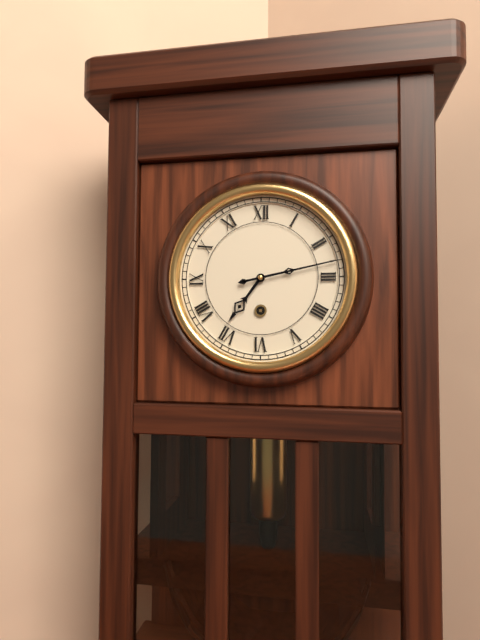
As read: {"hour": 7, "minute": 13}
